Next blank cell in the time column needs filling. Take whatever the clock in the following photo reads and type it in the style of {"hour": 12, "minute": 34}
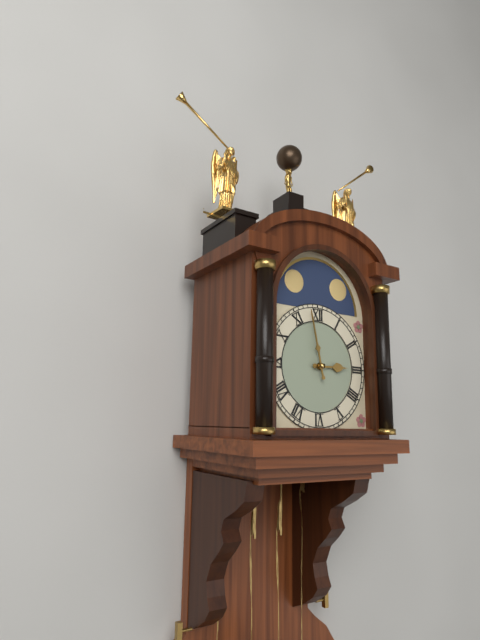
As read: {"hour": 2, "minute": 58}
